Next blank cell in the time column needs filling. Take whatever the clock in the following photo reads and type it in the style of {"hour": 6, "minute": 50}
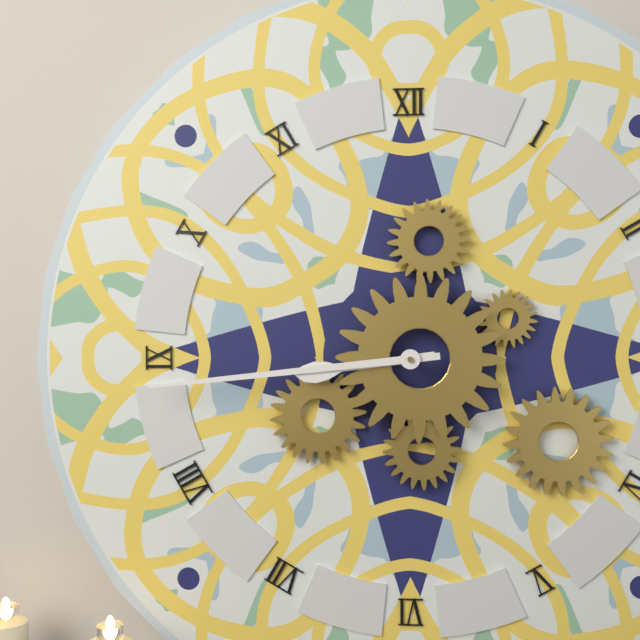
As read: {"hour": 8, "minute": 44}
